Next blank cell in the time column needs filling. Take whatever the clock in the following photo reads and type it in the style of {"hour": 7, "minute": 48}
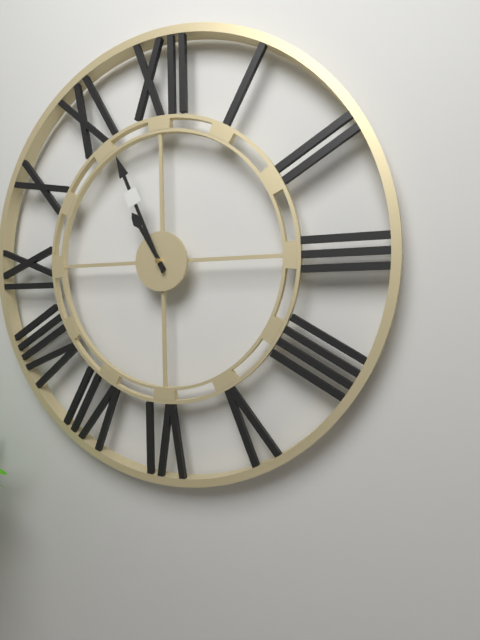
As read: {"hour": 10, "minute": 56}
